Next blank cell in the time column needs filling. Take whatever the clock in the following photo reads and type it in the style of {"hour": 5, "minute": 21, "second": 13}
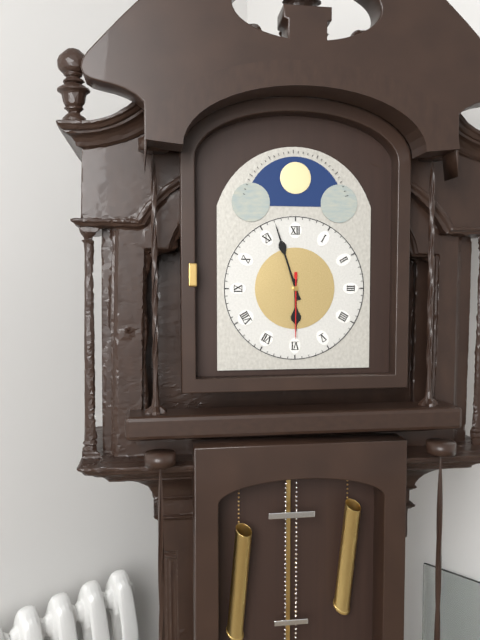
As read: {"hour": 5, "minute": 57, "second": 30}
